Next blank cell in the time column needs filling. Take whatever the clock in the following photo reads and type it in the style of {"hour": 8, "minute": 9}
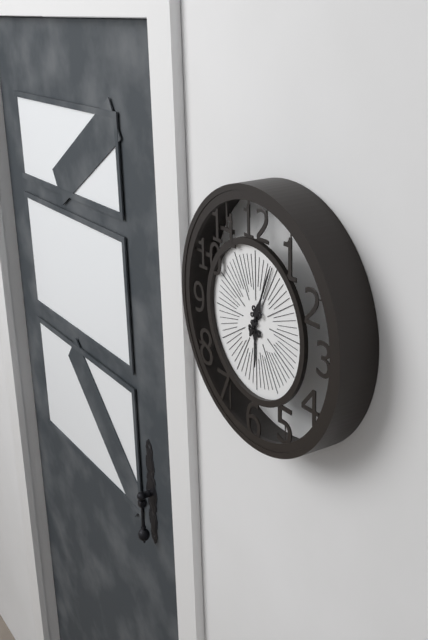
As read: {"hour": 6, "minute": 4}
